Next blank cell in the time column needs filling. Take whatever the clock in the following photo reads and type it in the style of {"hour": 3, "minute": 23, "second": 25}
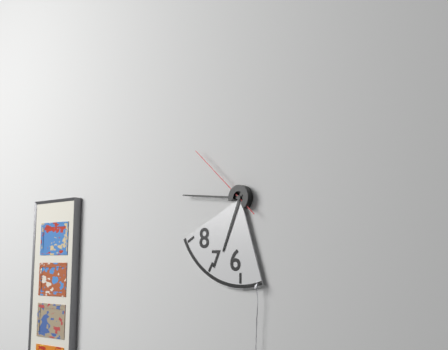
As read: {"hour": 6, "minute": 46, "second": 52}
